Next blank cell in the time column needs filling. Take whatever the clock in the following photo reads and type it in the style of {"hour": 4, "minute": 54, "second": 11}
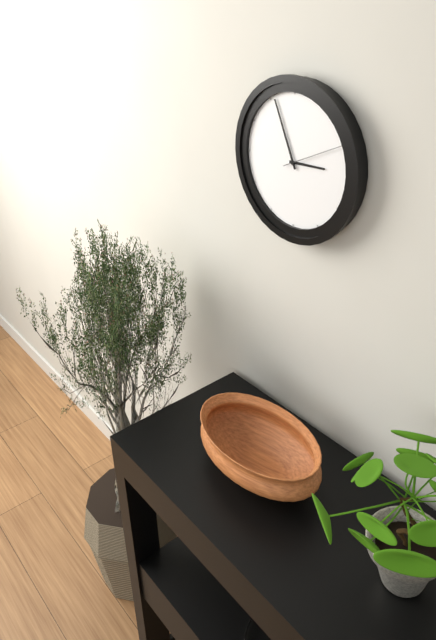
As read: {"hour": 2, "minute": 56, "second": 11}
